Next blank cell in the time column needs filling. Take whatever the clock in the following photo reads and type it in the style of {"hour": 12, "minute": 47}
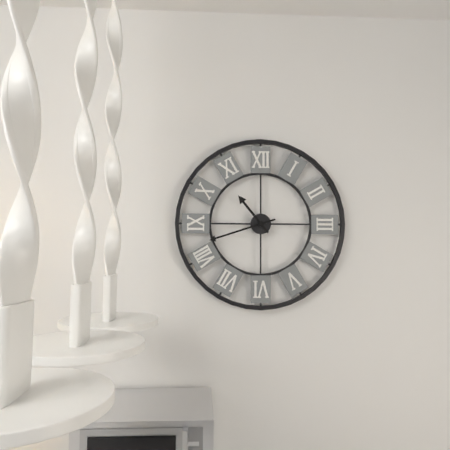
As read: {"hour": 10, "minute": 42}
